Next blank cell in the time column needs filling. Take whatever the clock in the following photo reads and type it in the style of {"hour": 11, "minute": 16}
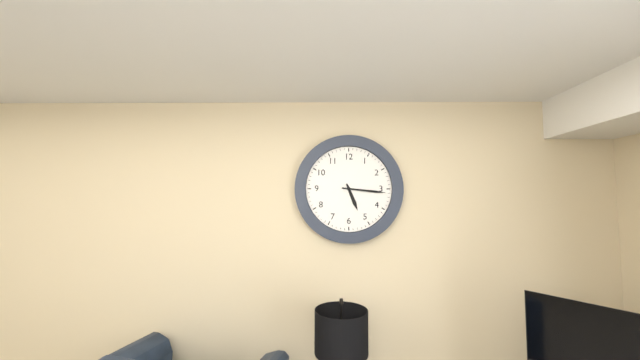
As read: {"hour": 5, "minute": 16}
